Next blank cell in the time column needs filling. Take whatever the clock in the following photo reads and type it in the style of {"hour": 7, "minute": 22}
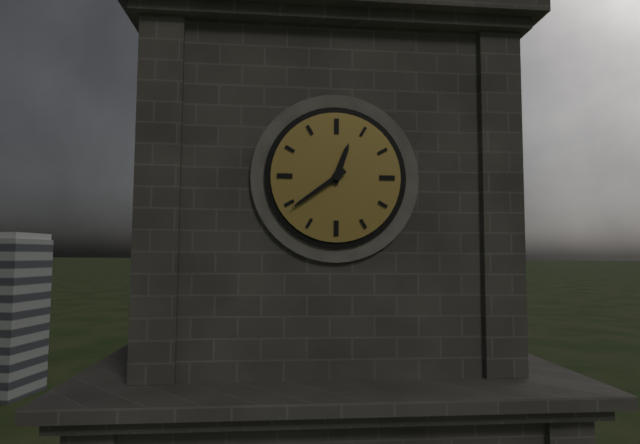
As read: {"hour": 12, "minute": 39}
